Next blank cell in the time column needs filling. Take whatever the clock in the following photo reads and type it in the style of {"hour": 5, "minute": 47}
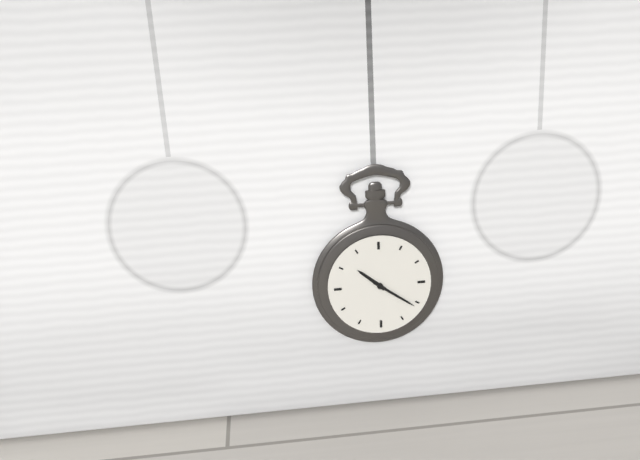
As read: {"hour": 10, "minute": 21}
